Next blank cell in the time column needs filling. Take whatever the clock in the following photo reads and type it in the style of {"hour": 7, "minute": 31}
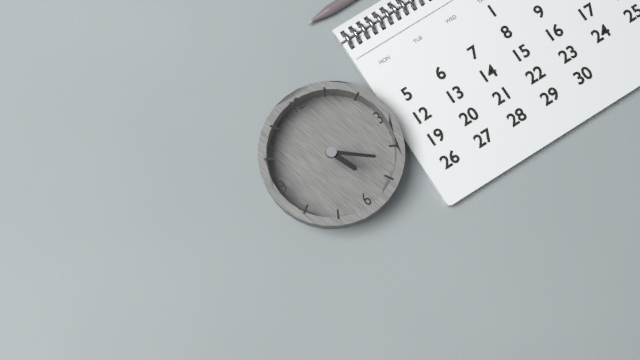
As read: {"hour": 5, "minute": 22}
